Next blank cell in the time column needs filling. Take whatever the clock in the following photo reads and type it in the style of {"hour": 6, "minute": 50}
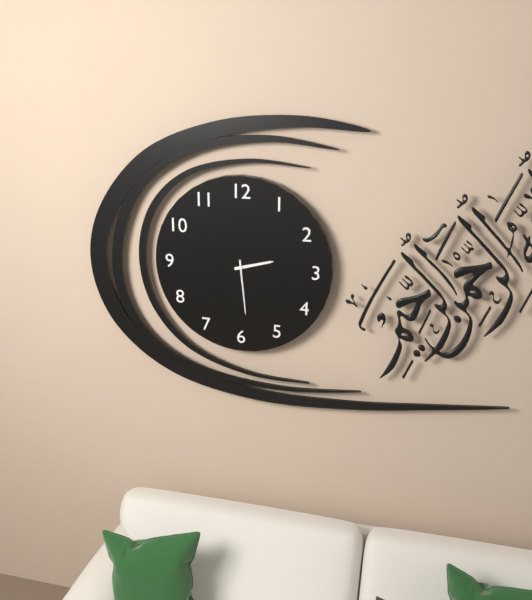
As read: {"hour": 2, "minute": 29}
